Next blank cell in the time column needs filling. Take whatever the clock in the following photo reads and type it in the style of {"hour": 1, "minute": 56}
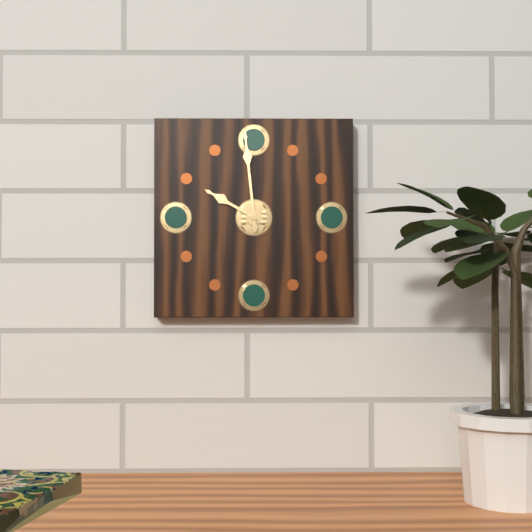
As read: {"hour": 9, "minute": 59}
